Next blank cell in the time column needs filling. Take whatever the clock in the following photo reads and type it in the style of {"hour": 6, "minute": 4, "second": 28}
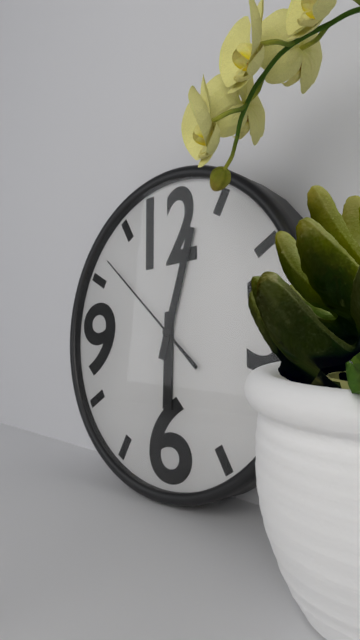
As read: {"hour": 6, "minute": 3, "second": 52}
